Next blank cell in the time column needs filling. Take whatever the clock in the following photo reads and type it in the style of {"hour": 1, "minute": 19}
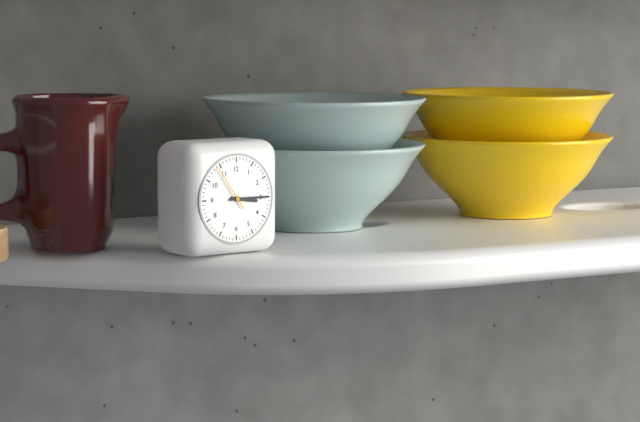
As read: {"hour": 3, "minute": 15}
